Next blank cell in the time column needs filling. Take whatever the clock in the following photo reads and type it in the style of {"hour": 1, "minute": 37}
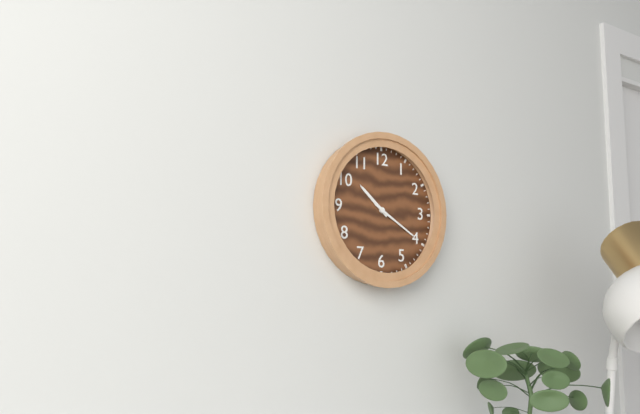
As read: {"hour": 10, "minute": 20}
